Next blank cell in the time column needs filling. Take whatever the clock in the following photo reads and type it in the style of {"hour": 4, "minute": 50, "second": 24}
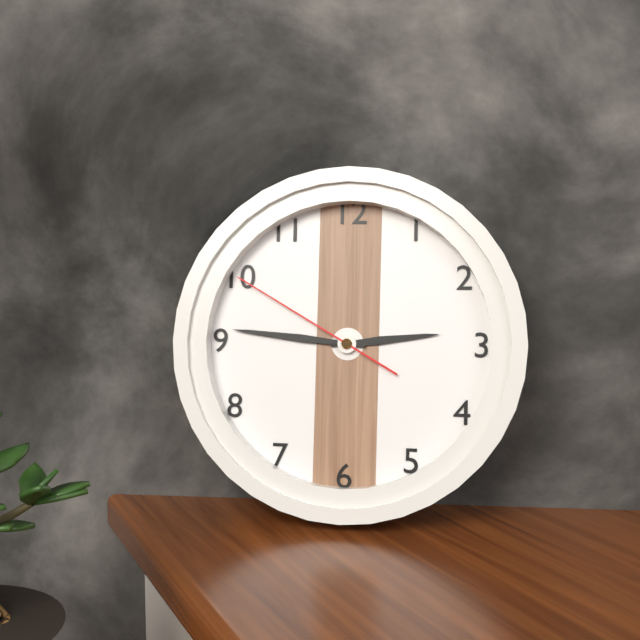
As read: {"hour": 2, "minute": 46, "second": 50}
